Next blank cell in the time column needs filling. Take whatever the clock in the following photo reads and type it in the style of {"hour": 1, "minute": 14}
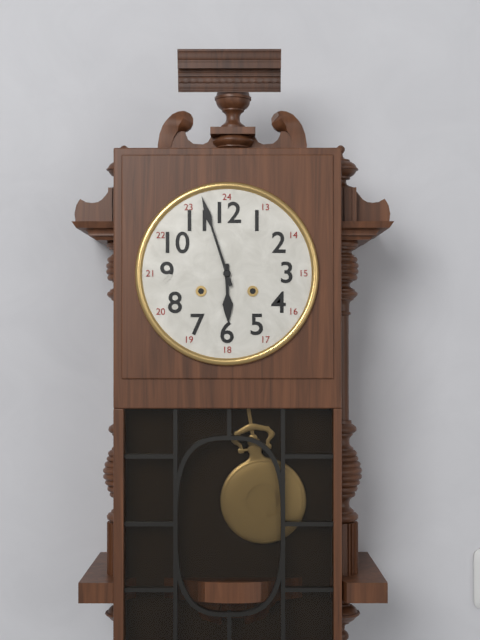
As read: {"hour": 5, "minute": 57}
